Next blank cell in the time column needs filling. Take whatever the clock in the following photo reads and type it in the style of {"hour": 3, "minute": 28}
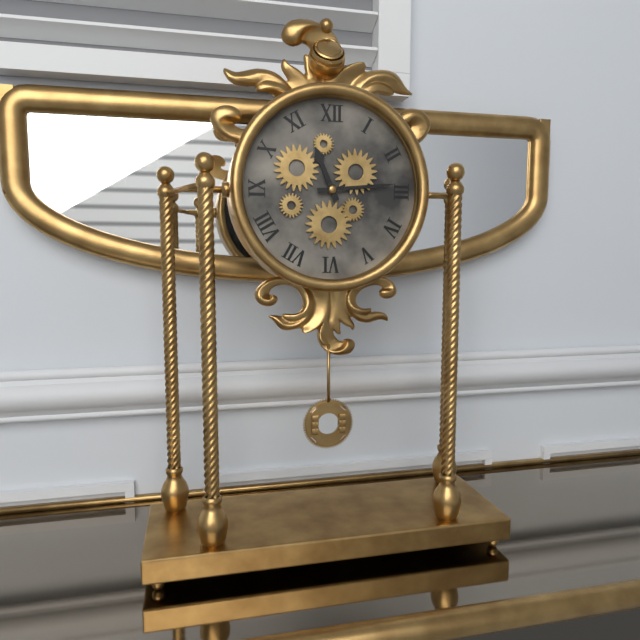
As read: {"hour": 11, "minute": 14}
